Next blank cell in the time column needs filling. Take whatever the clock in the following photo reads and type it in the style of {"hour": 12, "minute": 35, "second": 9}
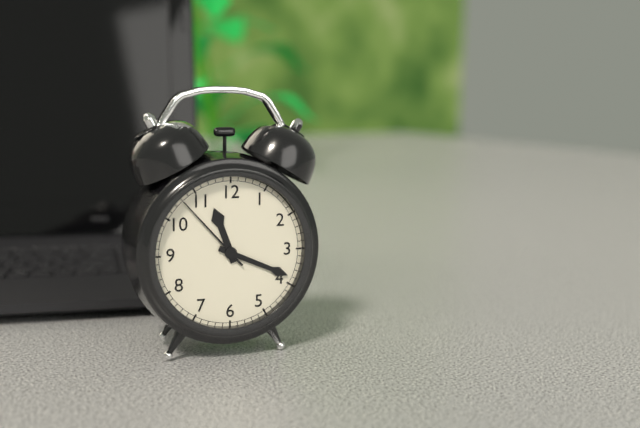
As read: {"hour": 11, "minute": 19, "second": 53}
